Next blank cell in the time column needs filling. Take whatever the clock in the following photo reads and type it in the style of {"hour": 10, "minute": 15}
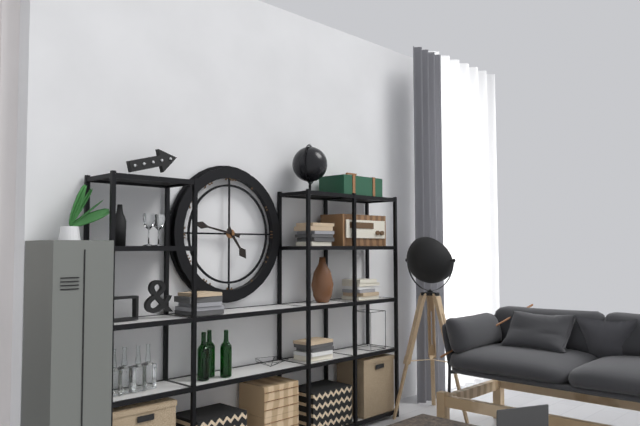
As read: {"hour": 4, "minute": 47}
